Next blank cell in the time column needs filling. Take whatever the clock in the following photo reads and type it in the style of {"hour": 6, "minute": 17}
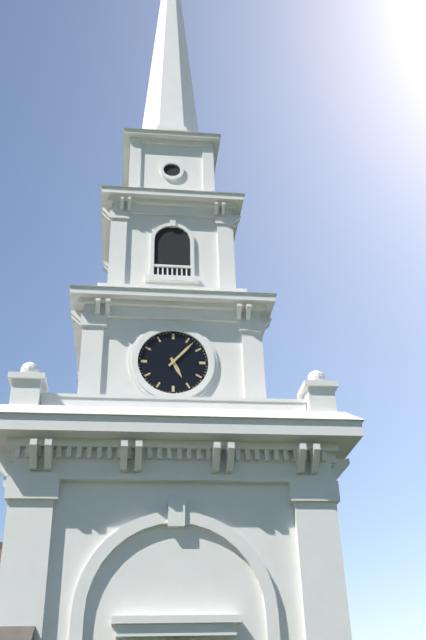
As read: {"hour": 5, "minute": 7}
